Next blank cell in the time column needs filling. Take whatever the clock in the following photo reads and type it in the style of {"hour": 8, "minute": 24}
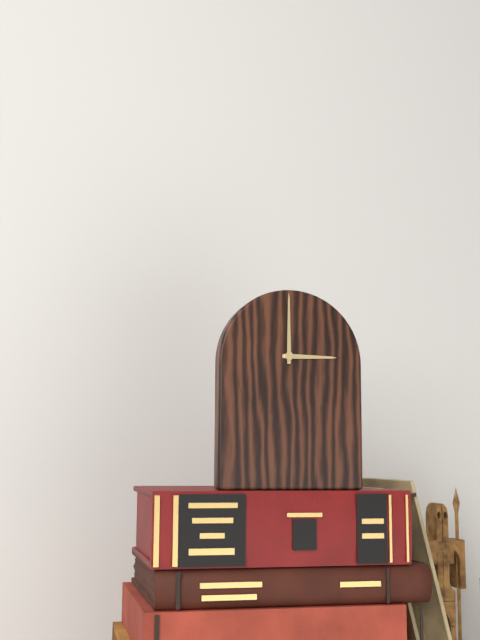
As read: {"hour": 3, "minute": 0}
